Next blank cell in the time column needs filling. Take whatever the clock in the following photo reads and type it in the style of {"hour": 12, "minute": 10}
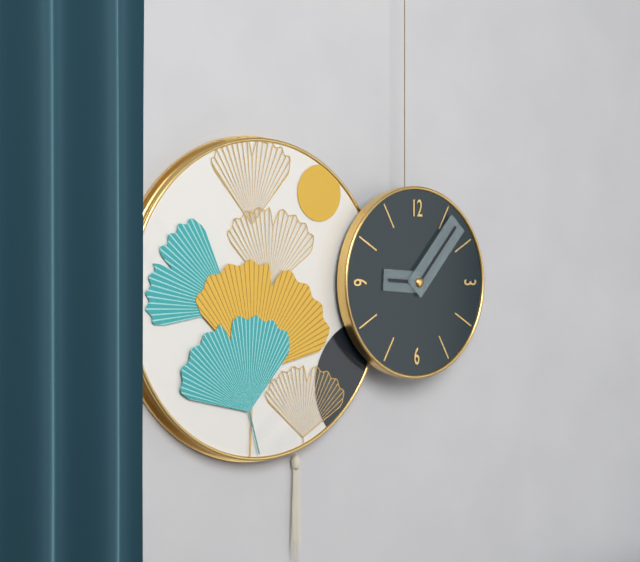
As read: {"hour": 9, "minute": 7}
